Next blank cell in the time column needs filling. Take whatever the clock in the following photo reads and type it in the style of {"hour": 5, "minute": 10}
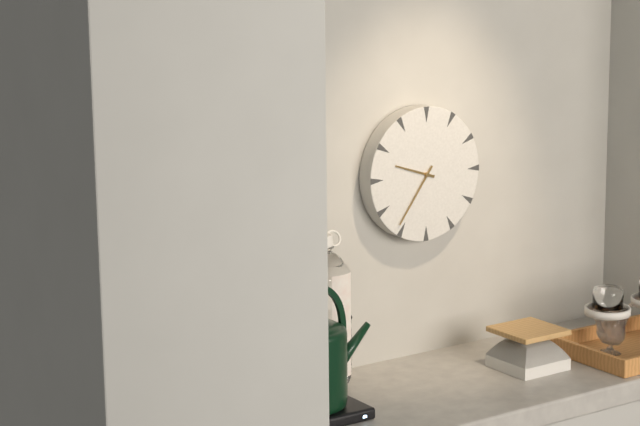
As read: {"hour": 9, "minute": 36}
